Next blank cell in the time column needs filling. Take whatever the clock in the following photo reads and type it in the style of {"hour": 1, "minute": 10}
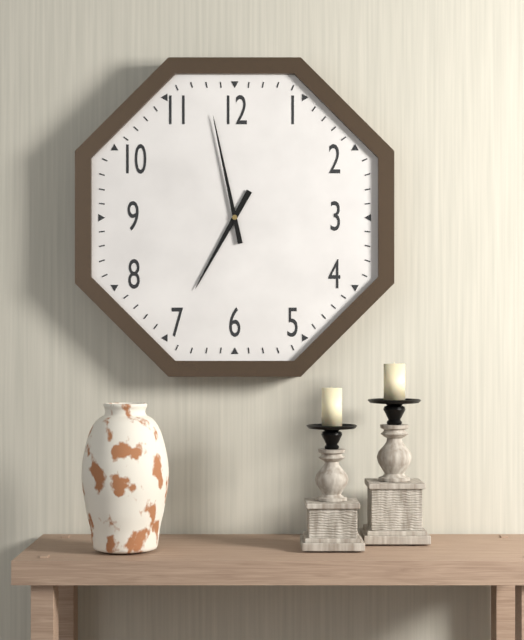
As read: {"hour": 6, "minute": 58}
